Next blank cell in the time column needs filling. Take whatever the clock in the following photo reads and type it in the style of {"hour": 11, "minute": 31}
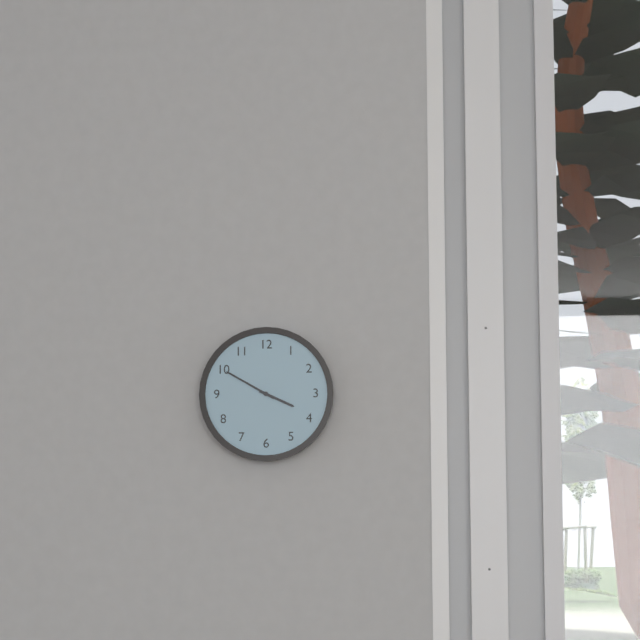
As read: {"hour": 3, "minute": 50}
